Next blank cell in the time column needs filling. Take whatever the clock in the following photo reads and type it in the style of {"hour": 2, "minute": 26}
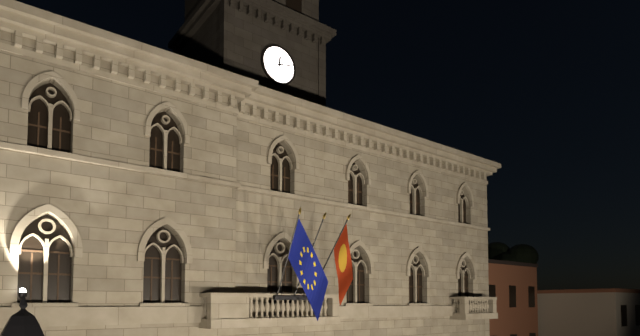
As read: {"hour": 12, "minute": 13}
